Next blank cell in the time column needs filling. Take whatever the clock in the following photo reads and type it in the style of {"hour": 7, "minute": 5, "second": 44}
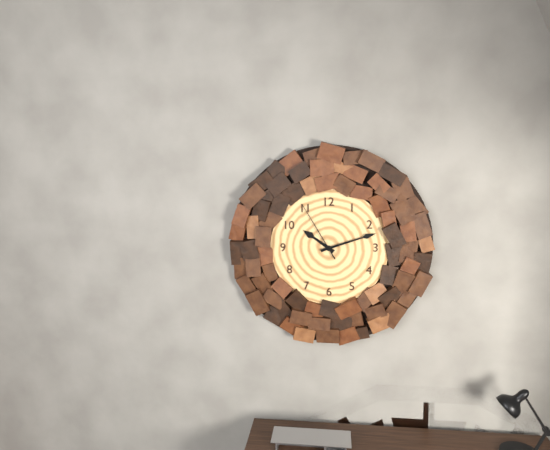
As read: {"hour": 10, "minute": 12, "second": 55}
